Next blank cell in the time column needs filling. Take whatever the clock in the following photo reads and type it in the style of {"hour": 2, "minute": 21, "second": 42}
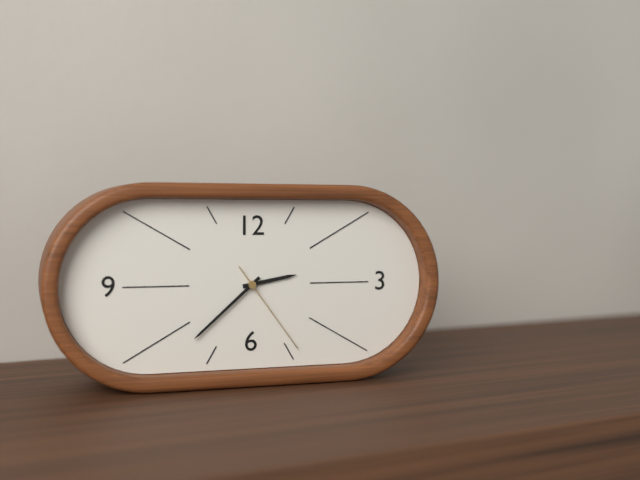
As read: {"hour": 2, "minute": 38, "second": 24}
